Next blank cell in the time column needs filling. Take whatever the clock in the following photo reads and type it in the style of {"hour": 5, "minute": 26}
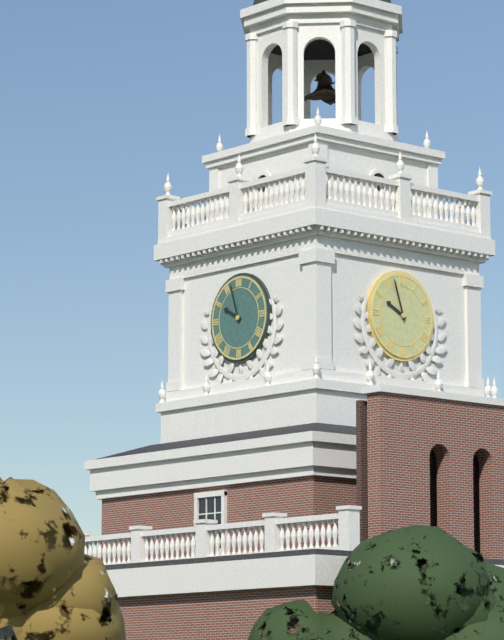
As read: {"hour": 9, "minute": 57}
